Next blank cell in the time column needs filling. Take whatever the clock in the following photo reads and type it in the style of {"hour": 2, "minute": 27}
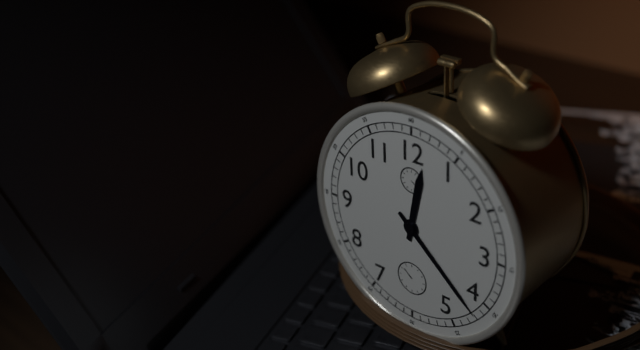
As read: {"hour": 12, "minute": 22}
